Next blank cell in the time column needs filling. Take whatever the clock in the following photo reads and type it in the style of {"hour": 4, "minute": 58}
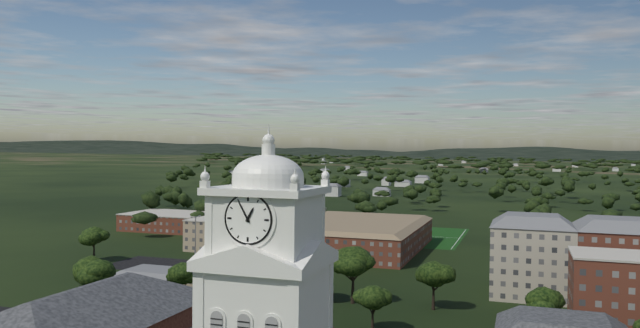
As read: {"hour": 12, "minute": 55}
